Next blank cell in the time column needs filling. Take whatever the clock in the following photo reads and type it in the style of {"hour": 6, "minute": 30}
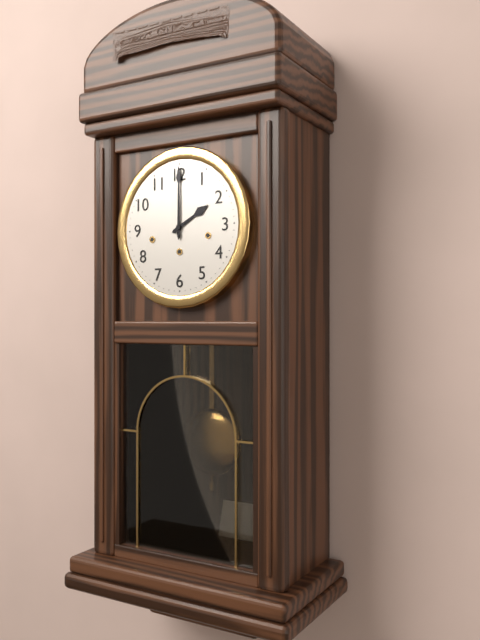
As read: {"hour": 2, "minute": 0}
